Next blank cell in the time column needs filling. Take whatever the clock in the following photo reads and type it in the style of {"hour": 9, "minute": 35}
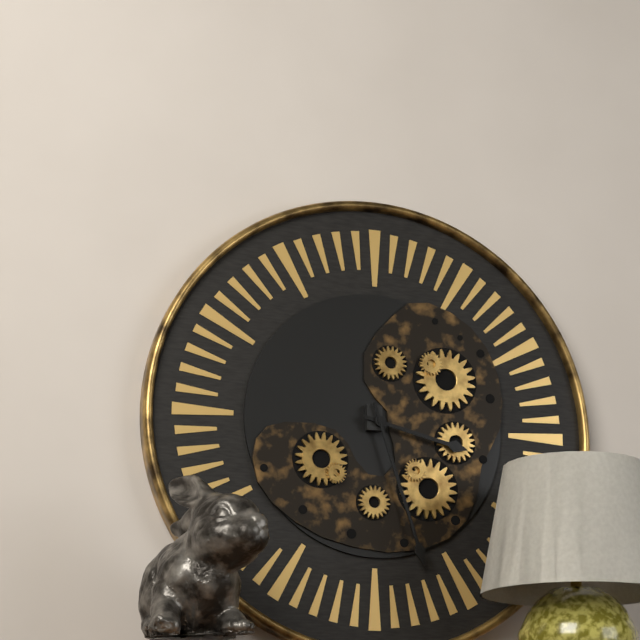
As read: {"hour": 3, "minute": 27}
